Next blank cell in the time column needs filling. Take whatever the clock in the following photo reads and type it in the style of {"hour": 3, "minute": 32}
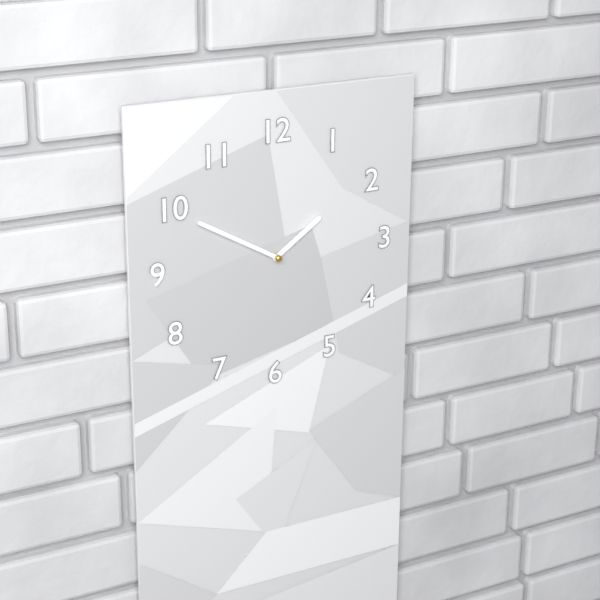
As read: {"hour": 1, "minute": 50}
